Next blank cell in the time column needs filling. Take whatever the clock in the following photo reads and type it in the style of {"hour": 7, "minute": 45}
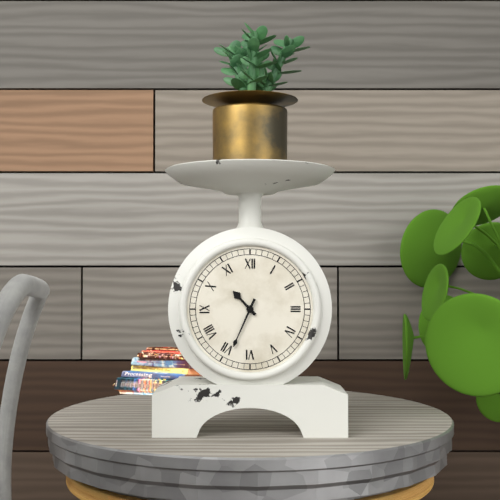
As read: {"hour": 10, "minute": 34}
